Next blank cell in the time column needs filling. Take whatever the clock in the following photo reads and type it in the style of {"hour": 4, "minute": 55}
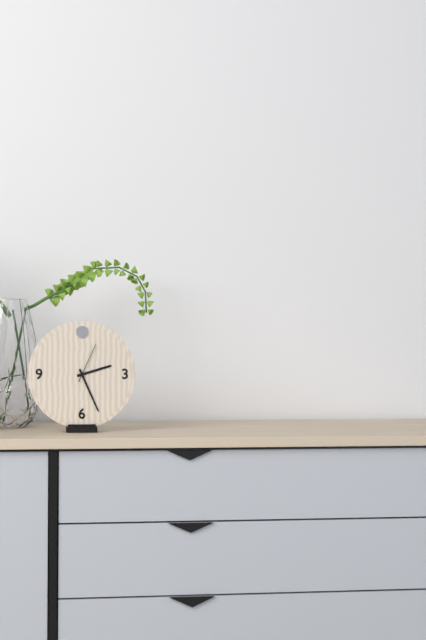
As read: {"hour": 2, "minute": 26}
